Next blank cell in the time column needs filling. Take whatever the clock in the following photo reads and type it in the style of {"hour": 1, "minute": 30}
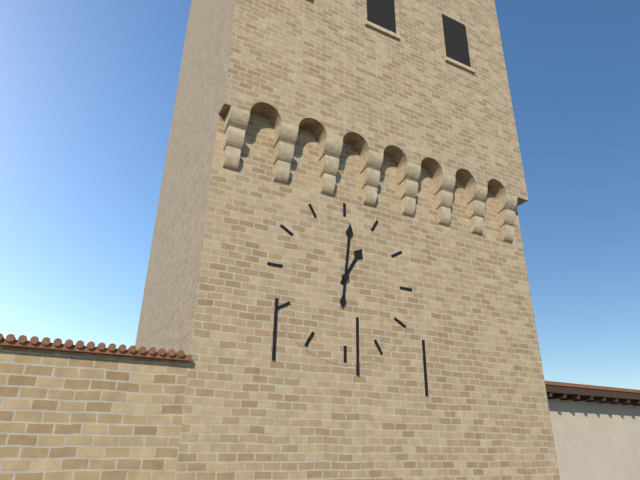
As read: {"hour": 1, "minute": 1}
